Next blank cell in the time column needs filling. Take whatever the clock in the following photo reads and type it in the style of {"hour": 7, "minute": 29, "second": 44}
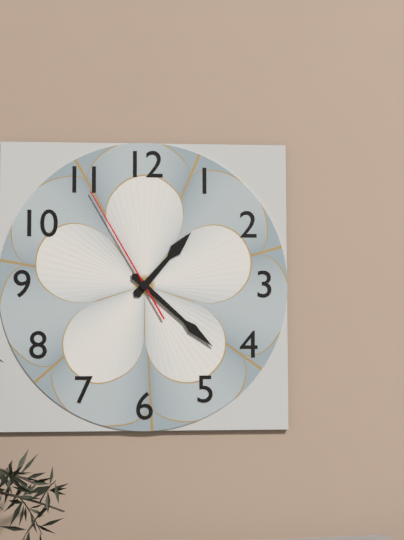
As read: {"hour": 1, "minute": 22, "second": 55}
